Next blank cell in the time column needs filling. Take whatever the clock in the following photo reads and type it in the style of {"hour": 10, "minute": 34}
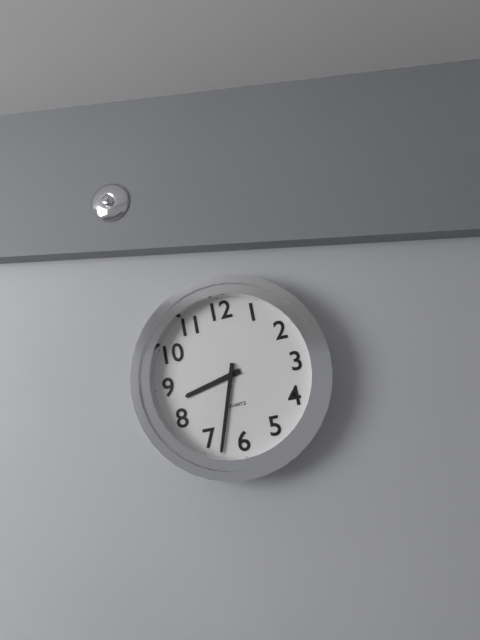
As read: {"hour": 8, "minute": 33}
